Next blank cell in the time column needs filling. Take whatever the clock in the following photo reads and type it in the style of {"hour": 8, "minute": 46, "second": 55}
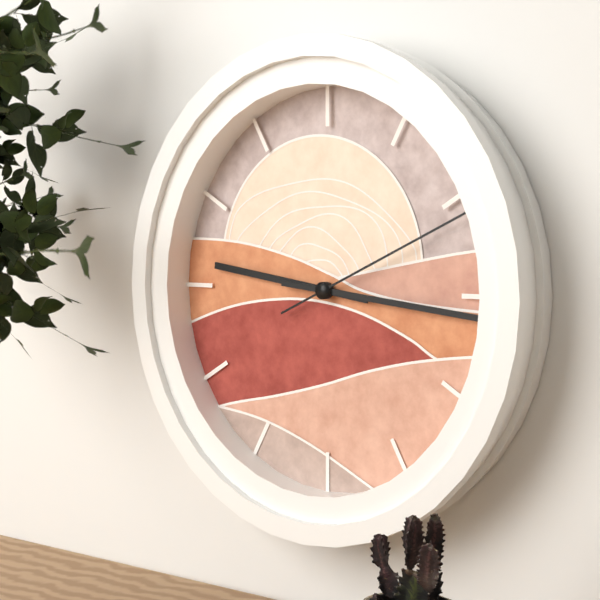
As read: {"hour": 9, "minute": 16, "second": 11}
